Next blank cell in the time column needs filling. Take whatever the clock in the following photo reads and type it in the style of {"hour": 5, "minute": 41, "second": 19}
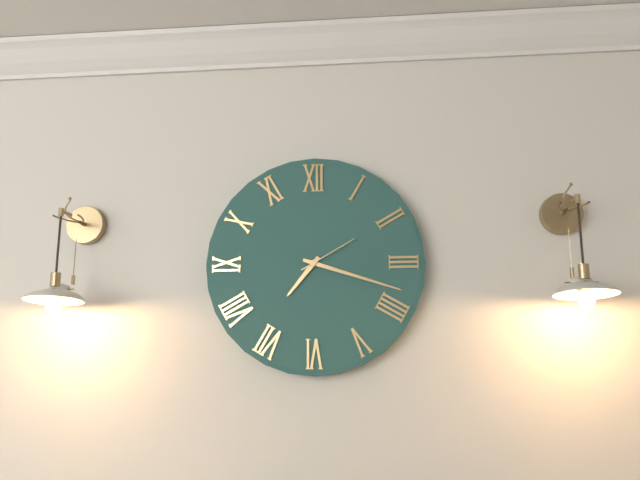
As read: {"hour": 7, "minute": 18, "second": 10}
